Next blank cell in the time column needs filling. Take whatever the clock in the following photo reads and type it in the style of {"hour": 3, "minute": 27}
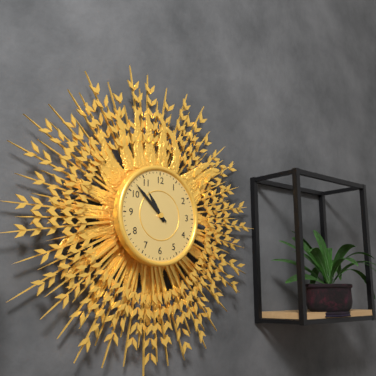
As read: {"hour": 10, "minute": 52}
